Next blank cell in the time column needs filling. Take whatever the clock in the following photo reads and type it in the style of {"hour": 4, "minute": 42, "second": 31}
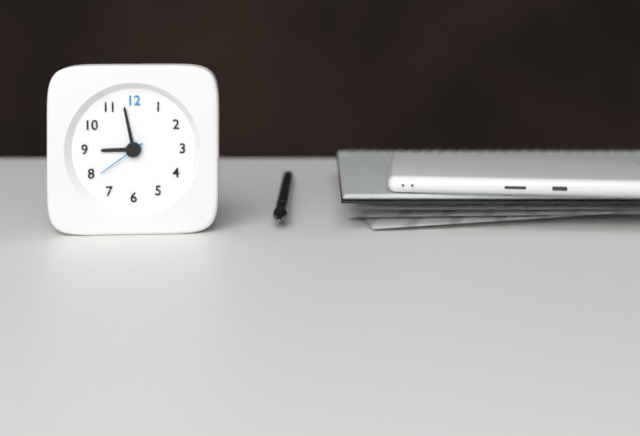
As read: {"hour": 8, "minute": 58, "second": 39}
